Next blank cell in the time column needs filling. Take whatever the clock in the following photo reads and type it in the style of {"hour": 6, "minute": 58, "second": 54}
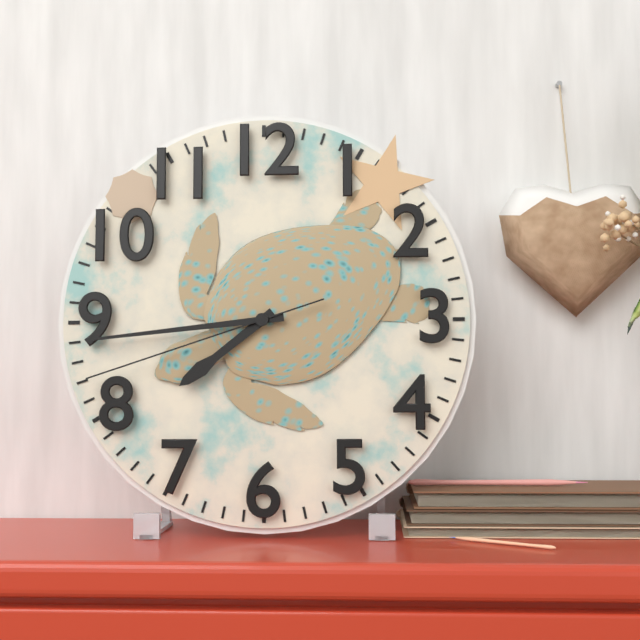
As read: {"hour": 7, "minute": 44, "second": 42}
